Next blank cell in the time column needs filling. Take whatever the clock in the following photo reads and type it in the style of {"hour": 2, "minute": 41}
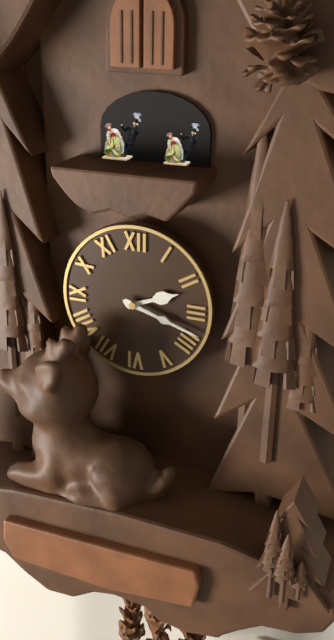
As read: {"hour": 2, "minute": 18}
